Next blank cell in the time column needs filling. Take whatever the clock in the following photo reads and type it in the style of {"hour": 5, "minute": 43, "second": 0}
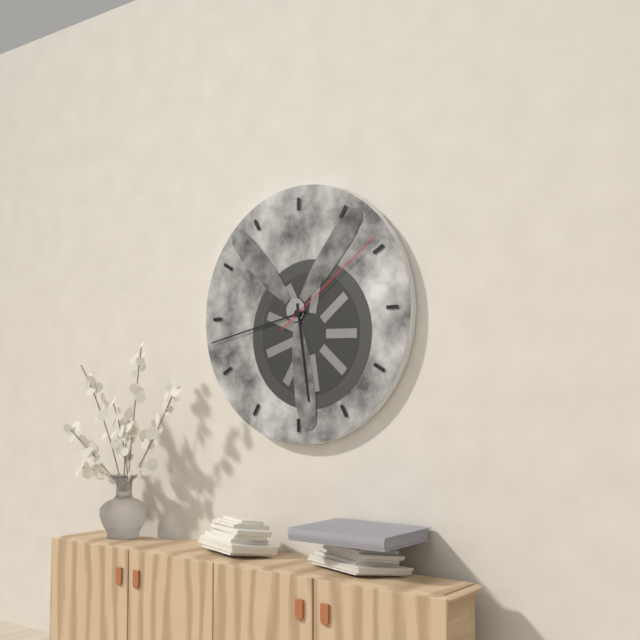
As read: {"hour": 5, "minute": 43, "second": 9}
